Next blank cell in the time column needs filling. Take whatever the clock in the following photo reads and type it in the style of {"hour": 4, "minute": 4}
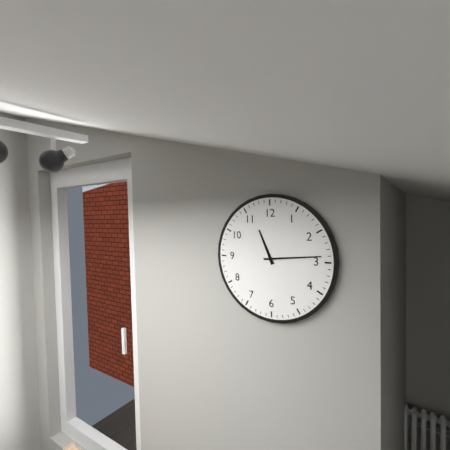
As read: {"hour": 11, "minute": 14}
